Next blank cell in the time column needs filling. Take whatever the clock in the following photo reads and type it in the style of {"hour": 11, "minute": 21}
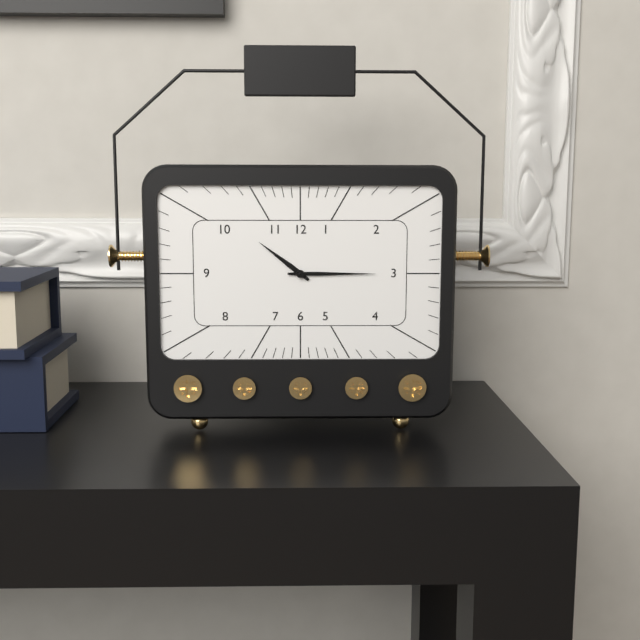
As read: {"hour": 10, "minute": 15}
